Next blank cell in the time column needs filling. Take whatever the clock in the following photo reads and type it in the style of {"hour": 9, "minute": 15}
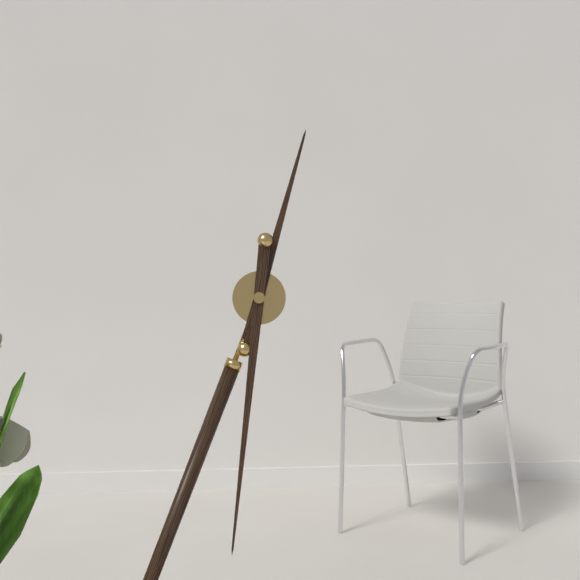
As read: {"hour": 12, "minute": 31}
